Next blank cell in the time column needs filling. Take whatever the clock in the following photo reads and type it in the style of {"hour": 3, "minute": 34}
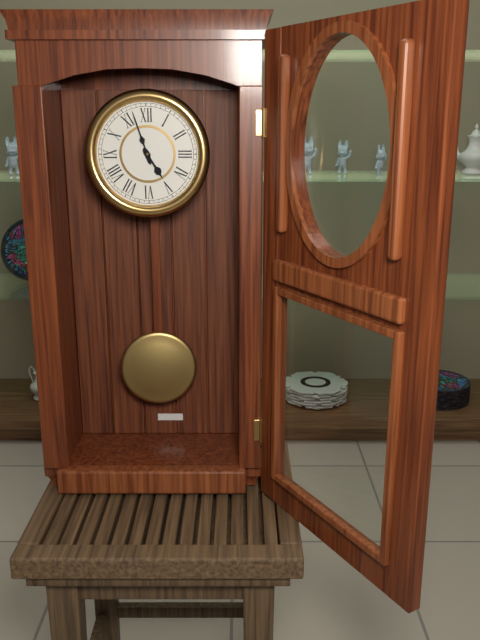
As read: {"hour": 4, "minute": 57}
